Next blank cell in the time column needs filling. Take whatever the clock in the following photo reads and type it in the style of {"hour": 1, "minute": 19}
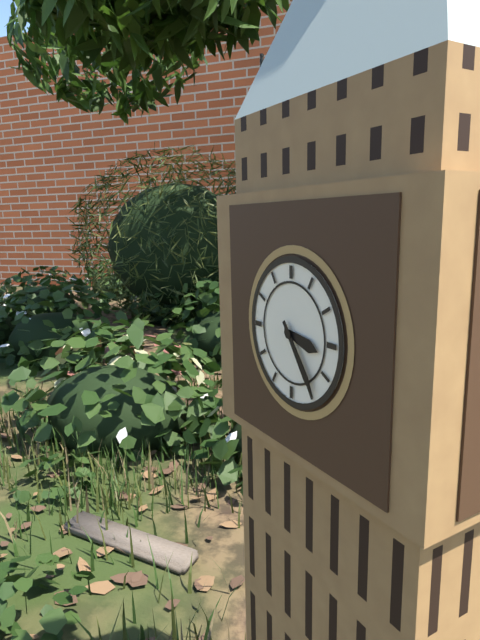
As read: {"hour": 3, "minute": 24}
